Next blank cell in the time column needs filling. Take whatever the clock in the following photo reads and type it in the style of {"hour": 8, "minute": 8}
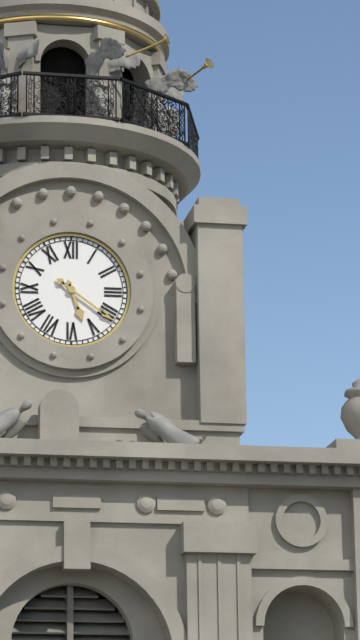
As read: {"hour": 5, "minute": 21}
